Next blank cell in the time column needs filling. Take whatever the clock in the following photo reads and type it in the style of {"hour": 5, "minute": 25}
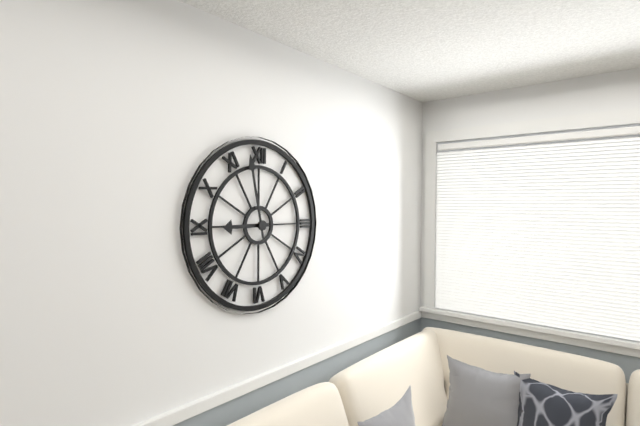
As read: {"hour": 8, "minute": 58}
